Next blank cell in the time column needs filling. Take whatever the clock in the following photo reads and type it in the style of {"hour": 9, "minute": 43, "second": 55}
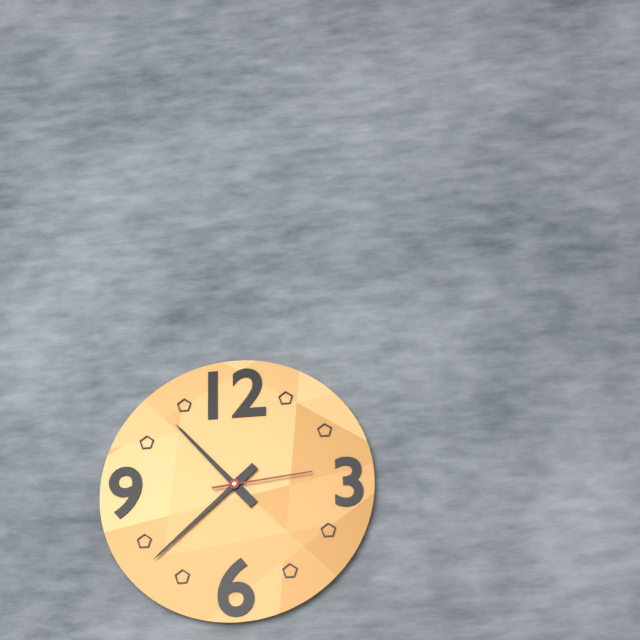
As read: {"hour": 10, "minute": 38, "second": 14}
